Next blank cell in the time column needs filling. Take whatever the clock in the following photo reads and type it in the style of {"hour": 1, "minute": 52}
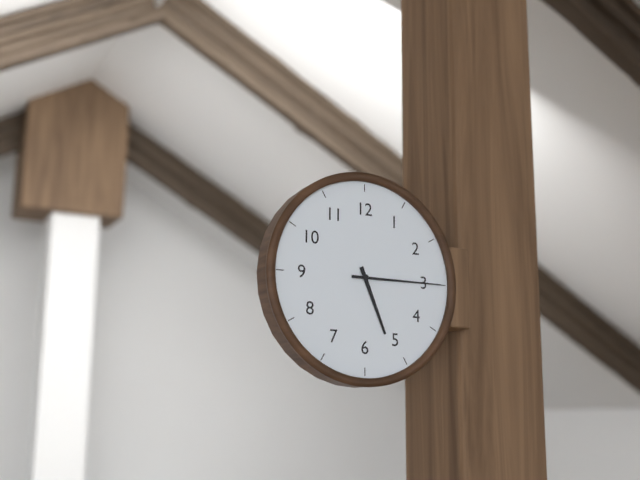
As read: {"hour": 5, "minute": 15}
